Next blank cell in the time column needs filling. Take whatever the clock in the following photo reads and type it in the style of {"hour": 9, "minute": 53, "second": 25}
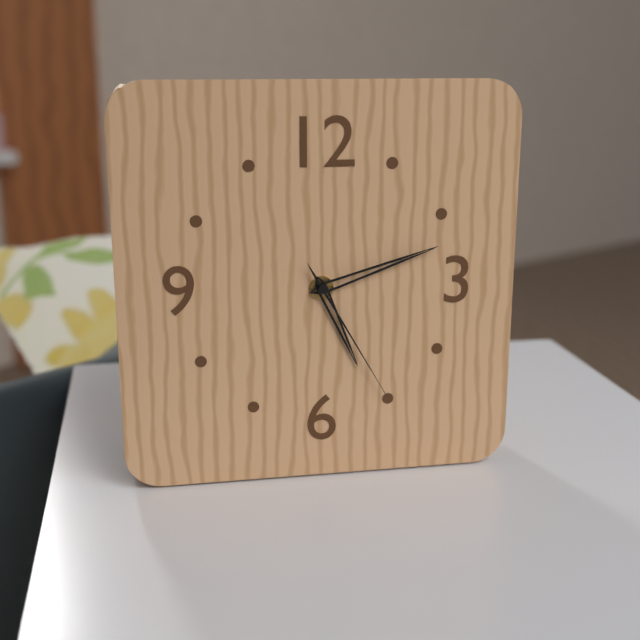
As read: {"hour": 5, "minute": 12, "second": 25}
